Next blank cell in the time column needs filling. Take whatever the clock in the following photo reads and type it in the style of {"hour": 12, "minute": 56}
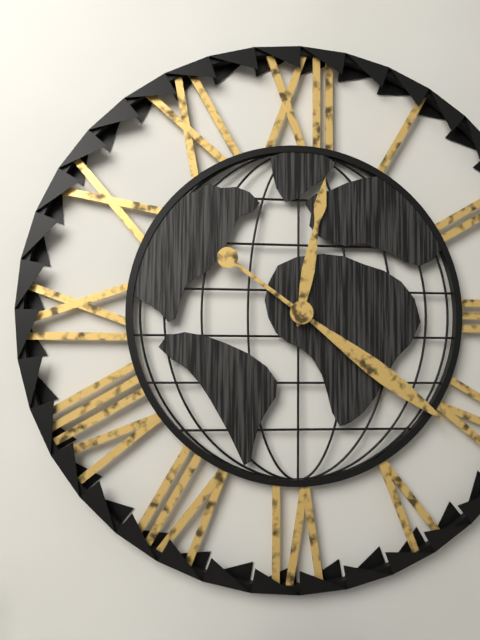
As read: {"hour": 12, "minute": 21}
